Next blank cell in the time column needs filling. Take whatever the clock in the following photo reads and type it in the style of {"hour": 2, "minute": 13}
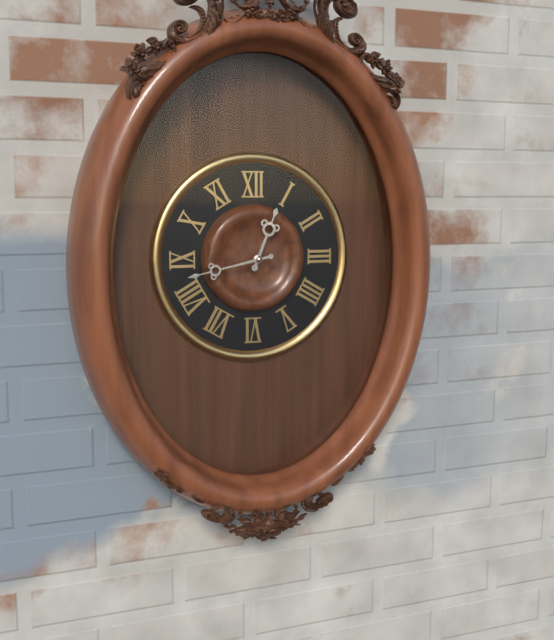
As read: {"hour": 12, "minute": 43}
